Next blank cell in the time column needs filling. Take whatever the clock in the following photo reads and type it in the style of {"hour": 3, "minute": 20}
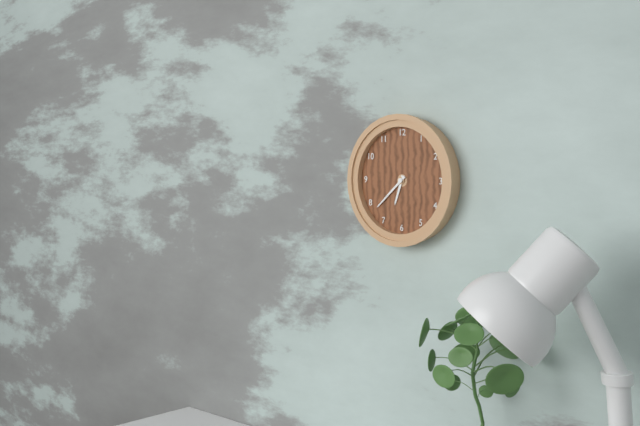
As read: {"hour": 6, "minute": 38}
